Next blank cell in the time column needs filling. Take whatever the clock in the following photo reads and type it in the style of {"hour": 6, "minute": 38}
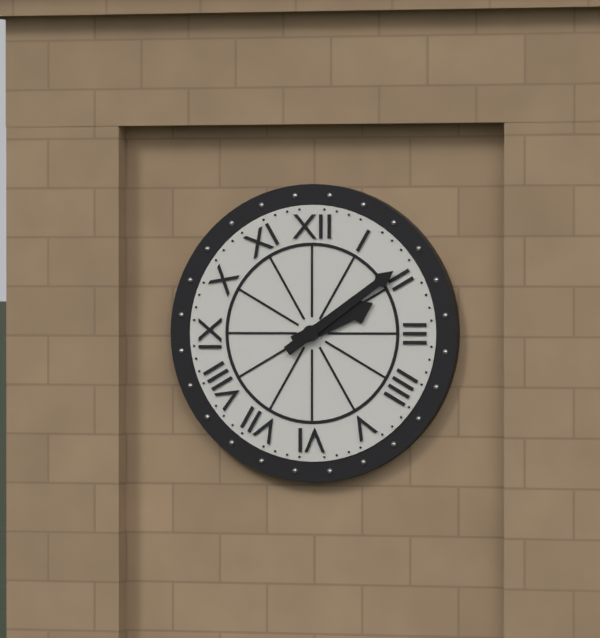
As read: {"hour": 2, "minute": 9}
